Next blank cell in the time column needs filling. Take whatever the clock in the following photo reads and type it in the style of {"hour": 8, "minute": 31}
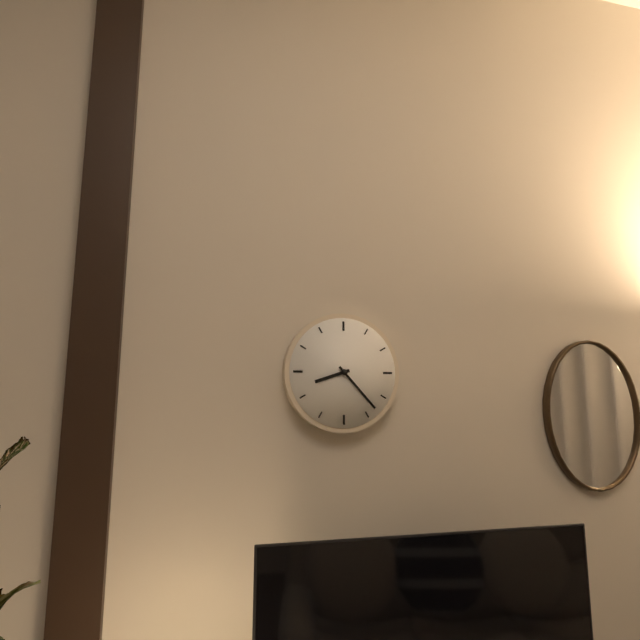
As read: {"hour": 8, "minute": 23}
